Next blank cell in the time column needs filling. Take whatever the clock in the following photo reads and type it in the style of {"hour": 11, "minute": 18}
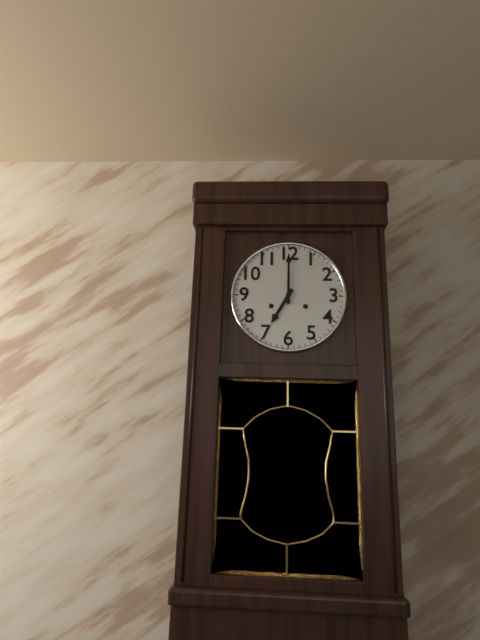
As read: {"hour": 7, "minute": 0}
